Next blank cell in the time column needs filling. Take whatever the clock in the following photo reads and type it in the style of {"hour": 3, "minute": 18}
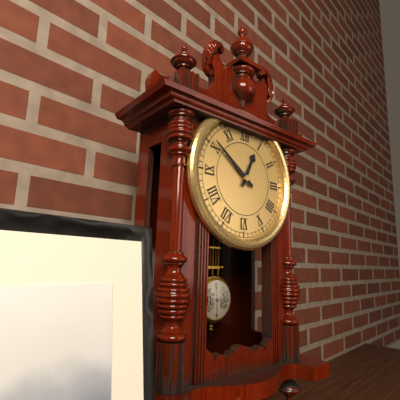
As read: {"hour": 12, "minute": 51}
